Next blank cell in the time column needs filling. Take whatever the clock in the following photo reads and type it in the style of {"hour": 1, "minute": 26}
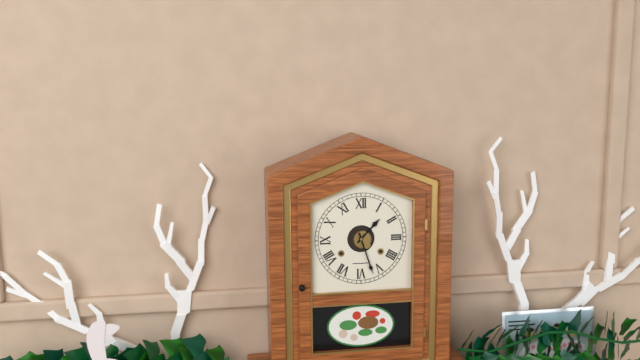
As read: {"hour": 1, "minute": 27}
